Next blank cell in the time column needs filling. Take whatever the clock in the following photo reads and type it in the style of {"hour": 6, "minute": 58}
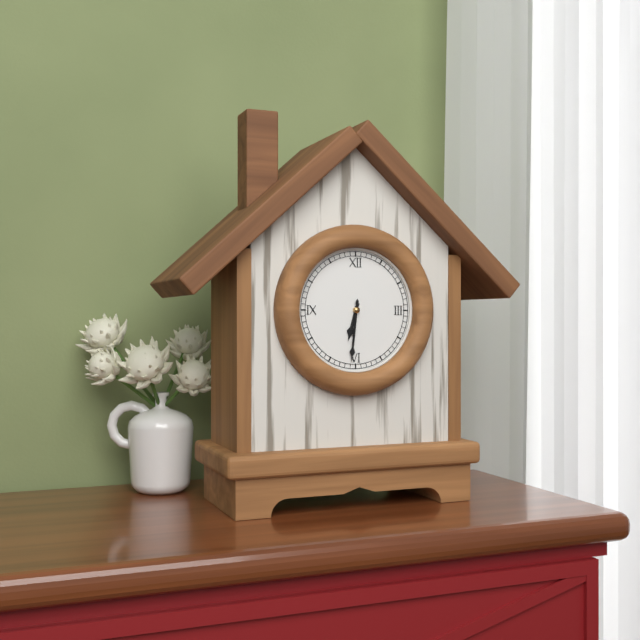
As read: {"hour": 6, "minute": 31}
